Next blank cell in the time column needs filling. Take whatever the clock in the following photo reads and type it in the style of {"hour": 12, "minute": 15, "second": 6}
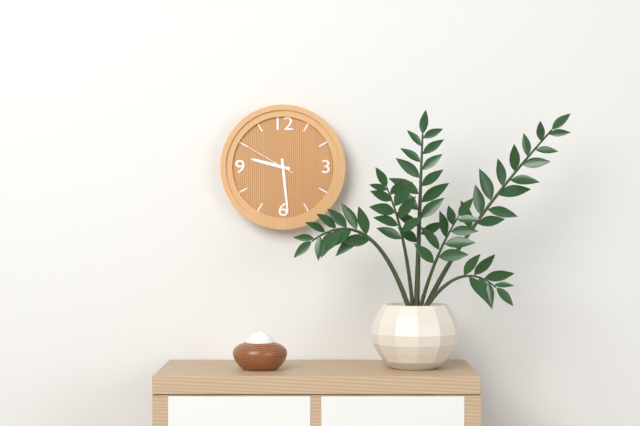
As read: {"hour": 9, "minute": 29, "second": 50}
